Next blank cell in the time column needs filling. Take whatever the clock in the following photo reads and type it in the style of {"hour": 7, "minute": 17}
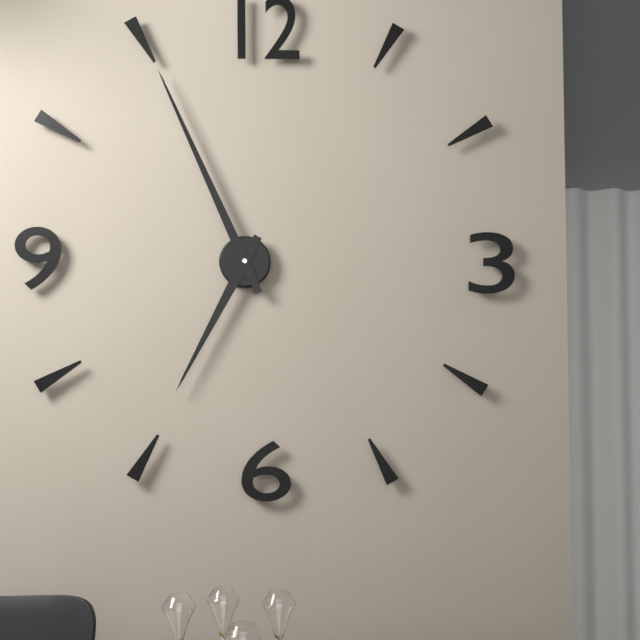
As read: {"hour": 6, "minute": 56}
